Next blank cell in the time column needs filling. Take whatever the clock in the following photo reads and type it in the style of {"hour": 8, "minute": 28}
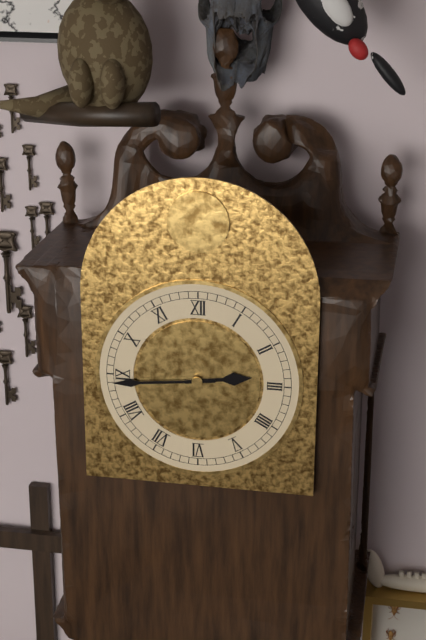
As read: {"hour": 2, "minute": 44}
